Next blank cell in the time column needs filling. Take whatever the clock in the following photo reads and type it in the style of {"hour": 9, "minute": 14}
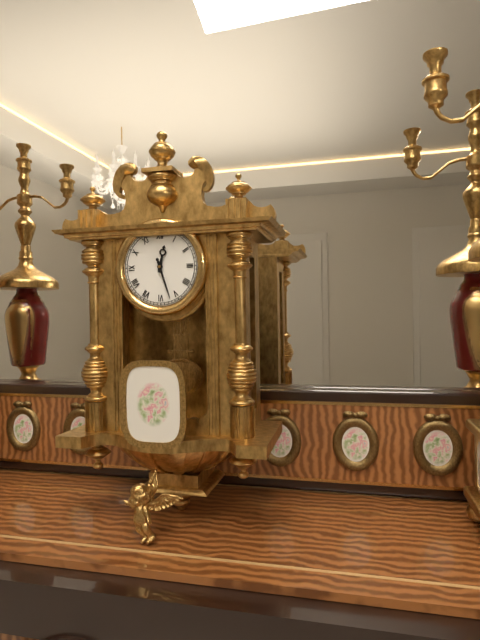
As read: {"hour": 12, "minute": 27}
